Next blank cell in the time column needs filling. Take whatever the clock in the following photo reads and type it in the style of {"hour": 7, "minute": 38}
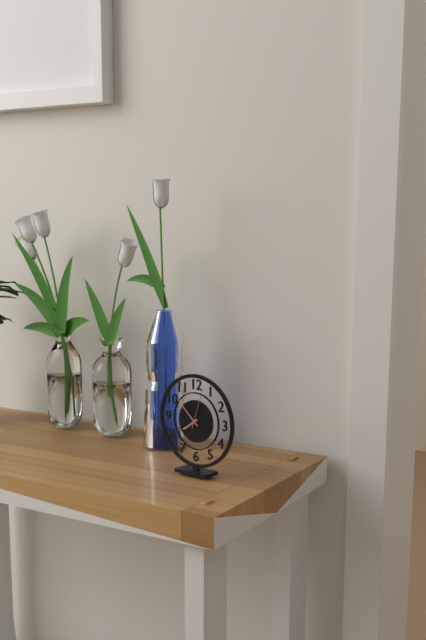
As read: {"hour": 7, "minute": 52}
